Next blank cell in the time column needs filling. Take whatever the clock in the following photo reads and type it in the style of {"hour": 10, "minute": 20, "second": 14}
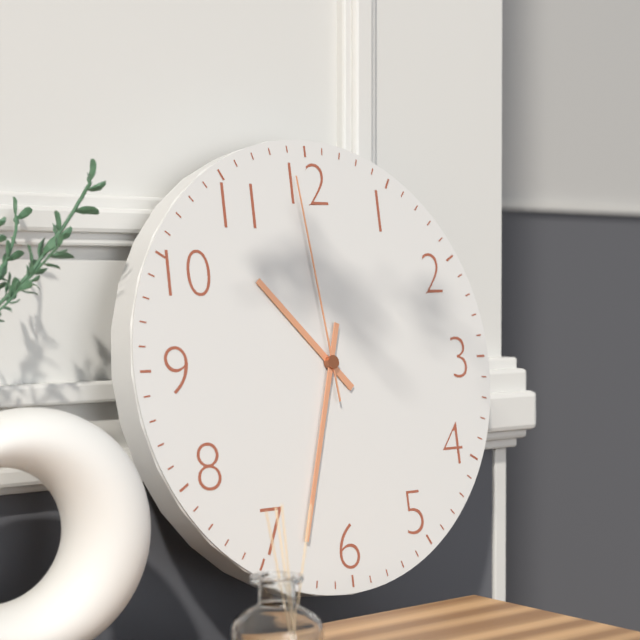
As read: {"hour": 10, "minute": 33, "second": 59}
